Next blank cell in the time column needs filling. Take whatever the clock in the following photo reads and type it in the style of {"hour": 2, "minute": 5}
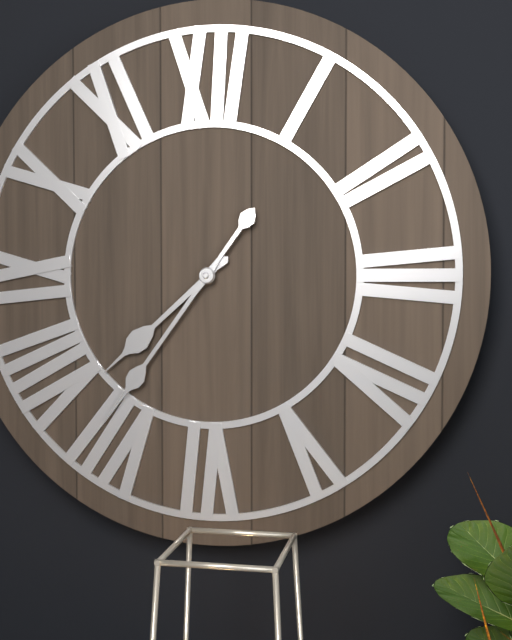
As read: {"hour": 7, "minute": 36}
